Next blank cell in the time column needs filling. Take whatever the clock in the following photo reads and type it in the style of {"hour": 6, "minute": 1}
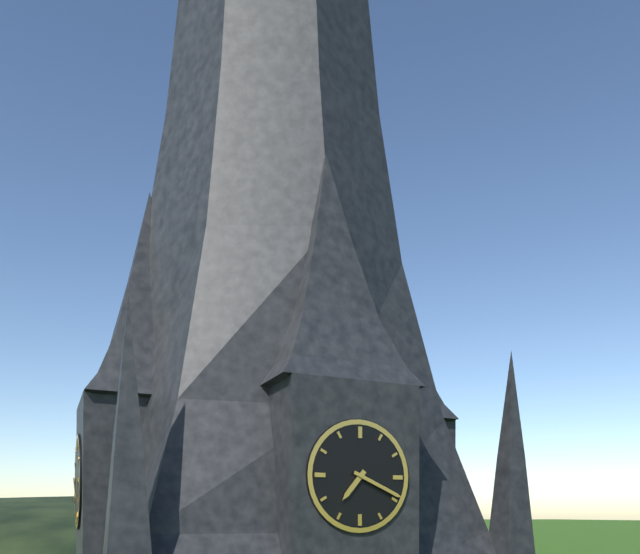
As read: {"hour": 7, "minute": 19}
